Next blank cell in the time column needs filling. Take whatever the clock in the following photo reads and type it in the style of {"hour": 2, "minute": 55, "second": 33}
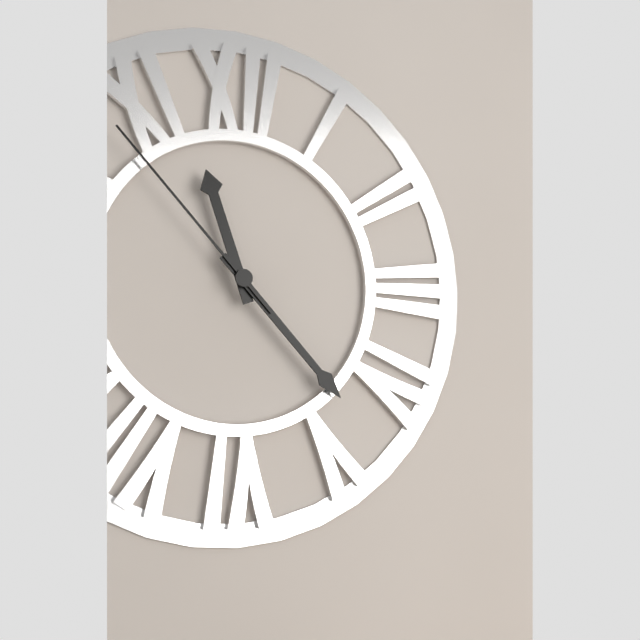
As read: {"hour": 11, "minute": 23, "second": 53}
